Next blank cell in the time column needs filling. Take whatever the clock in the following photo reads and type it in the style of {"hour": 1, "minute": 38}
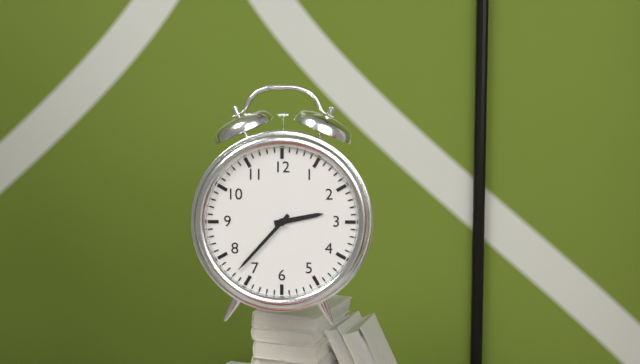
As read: {"hour": 2, "minute": 37}
